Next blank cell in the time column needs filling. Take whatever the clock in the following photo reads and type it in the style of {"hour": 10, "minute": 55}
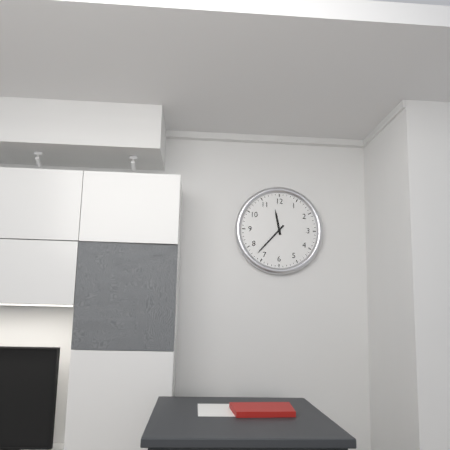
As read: {"hour": 11, "minute": 37}
